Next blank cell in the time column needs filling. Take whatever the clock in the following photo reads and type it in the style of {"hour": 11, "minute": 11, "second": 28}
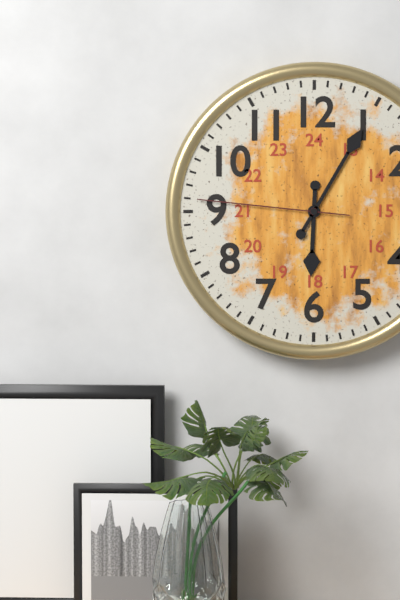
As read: {"hour": 6, "minute": 5, "second": 46}
